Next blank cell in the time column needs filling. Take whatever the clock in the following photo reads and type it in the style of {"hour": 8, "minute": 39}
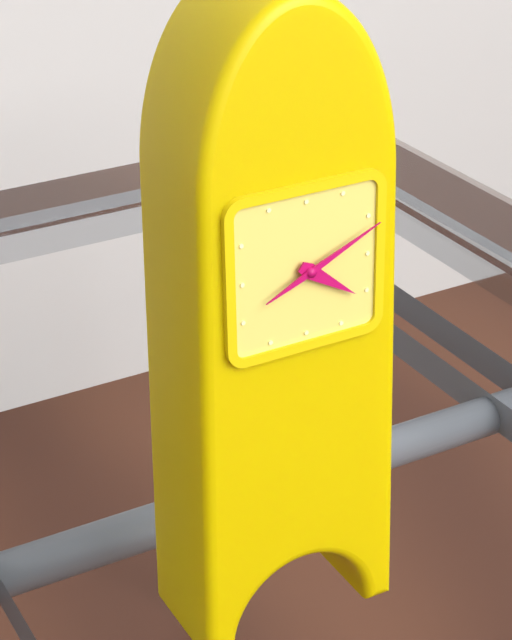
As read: {"hour": 4, "minute": 11}
